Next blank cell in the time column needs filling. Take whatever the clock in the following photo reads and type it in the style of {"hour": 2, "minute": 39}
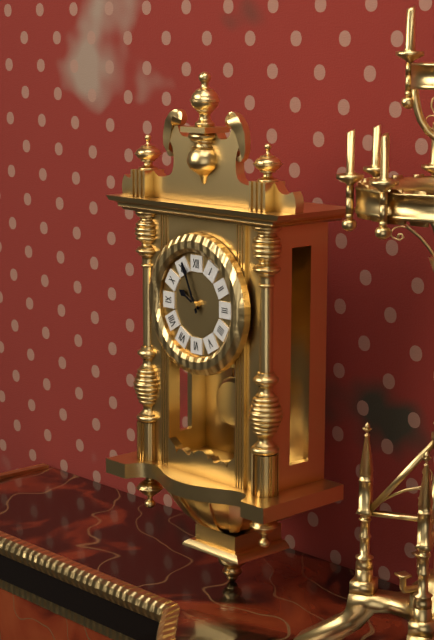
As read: {"hour": 9, "minute": 56}
